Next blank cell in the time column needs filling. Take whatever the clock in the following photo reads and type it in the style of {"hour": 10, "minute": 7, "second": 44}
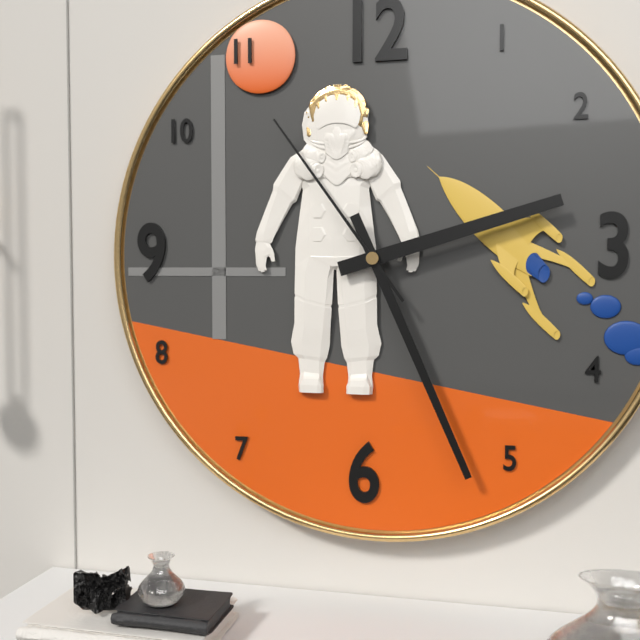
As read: {"hour": 2, "minute": 26, "second": 54}
